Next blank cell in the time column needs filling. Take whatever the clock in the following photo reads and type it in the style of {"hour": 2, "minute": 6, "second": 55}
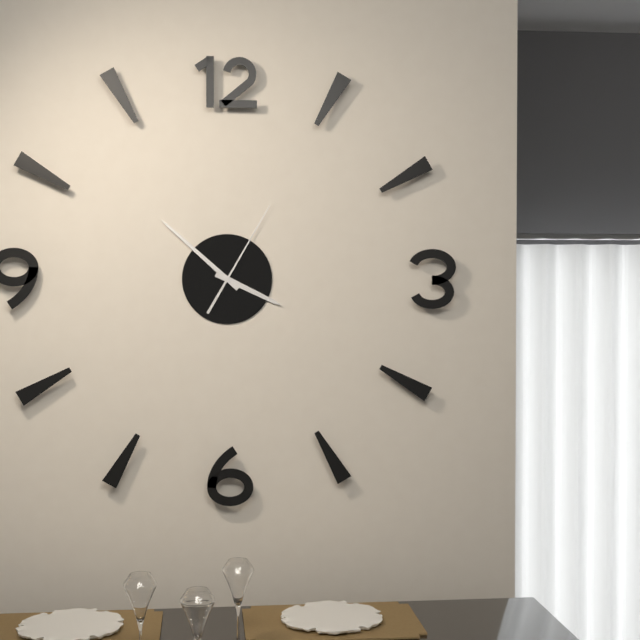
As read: {"hour": 3, "minute": 52, "second": 5}
